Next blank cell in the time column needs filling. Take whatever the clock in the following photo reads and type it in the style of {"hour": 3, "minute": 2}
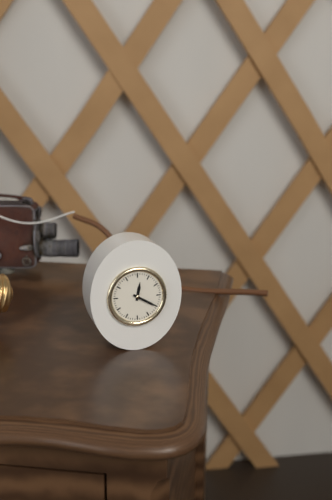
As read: {"hour": 12, "minute": 20}
